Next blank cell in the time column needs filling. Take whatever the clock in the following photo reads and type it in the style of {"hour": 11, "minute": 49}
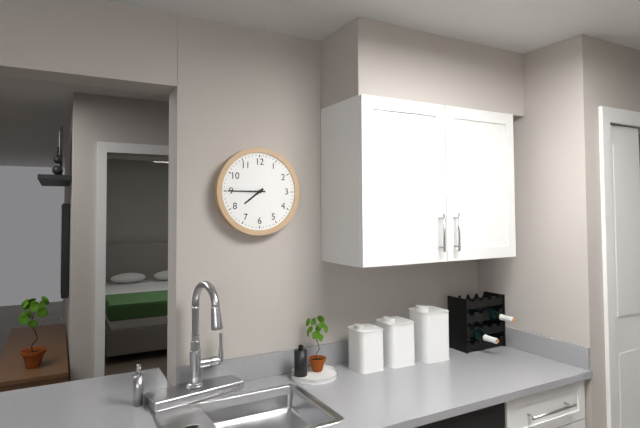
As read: {"hour": 7, "minute": 45}
